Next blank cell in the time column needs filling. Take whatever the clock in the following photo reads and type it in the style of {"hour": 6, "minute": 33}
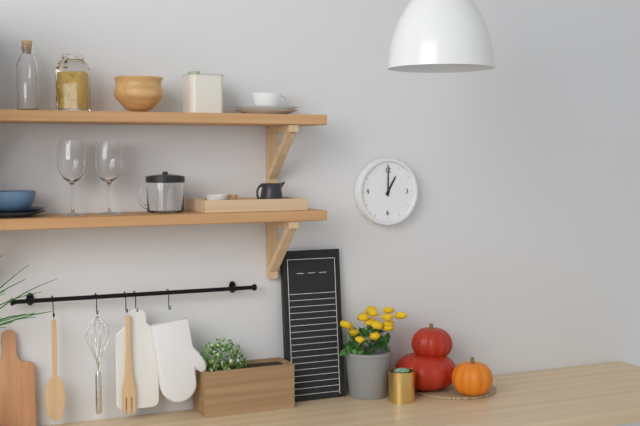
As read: {"hour": 1, "minute": 0}
